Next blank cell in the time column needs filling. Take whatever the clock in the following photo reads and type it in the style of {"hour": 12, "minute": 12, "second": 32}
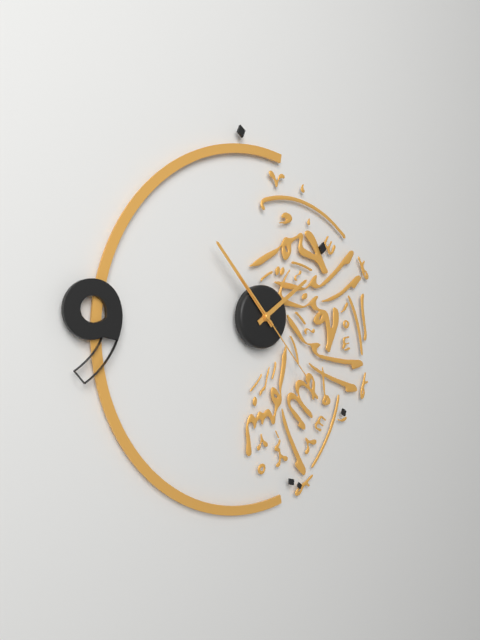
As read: {"hour": 1, "minute": 53, "second": 23}
